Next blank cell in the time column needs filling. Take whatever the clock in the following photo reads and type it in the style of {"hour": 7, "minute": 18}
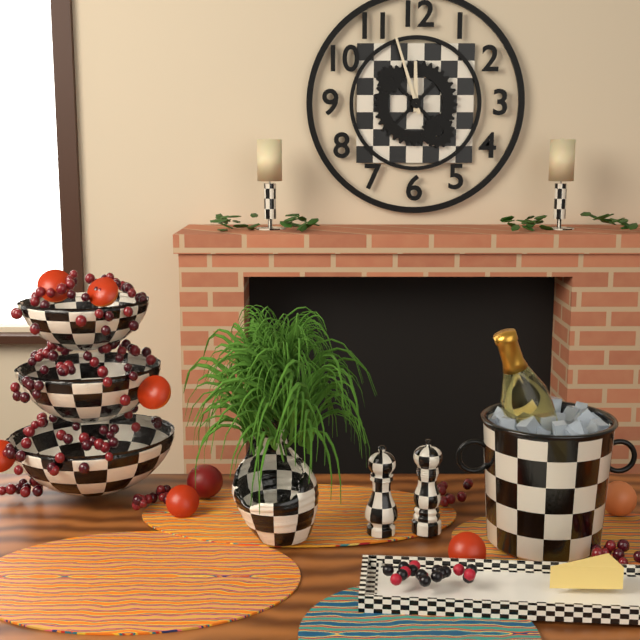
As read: {"hour": 11, "minute": 57}
